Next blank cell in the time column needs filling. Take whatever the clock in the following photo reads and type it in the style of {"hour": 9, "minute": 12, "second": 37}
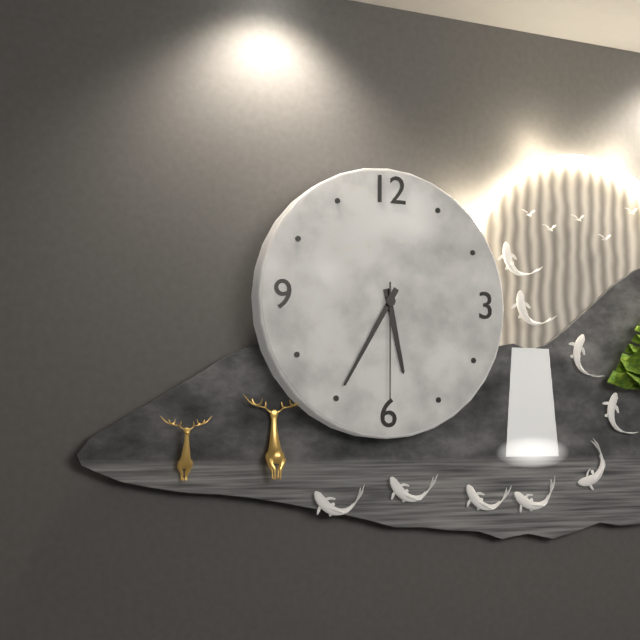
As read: {"hour": 5, "minute": 35, "second": 30}
